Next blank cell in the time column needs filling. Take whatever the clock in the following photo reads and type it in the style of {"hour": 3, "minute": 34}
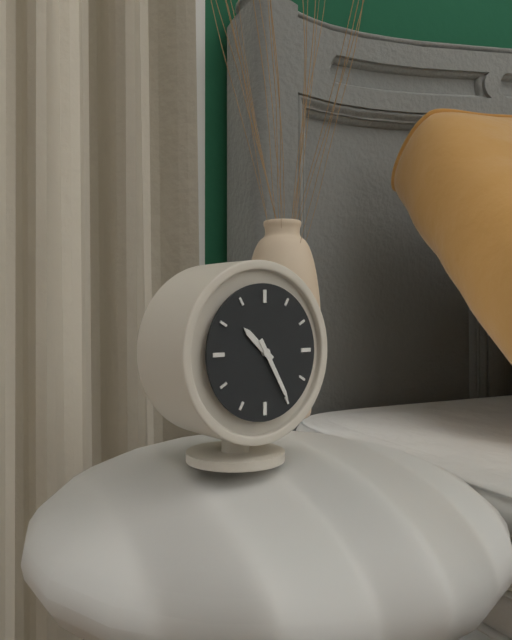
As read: {"hour": 10, "minute": 25}
